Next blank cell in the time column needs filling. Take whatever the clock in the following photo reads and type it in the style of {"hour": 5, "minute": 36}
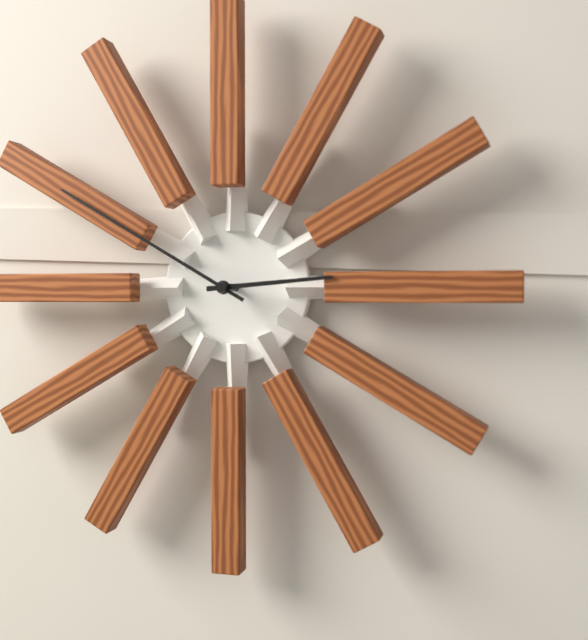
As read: {"hour": 2, "minute": 50}
